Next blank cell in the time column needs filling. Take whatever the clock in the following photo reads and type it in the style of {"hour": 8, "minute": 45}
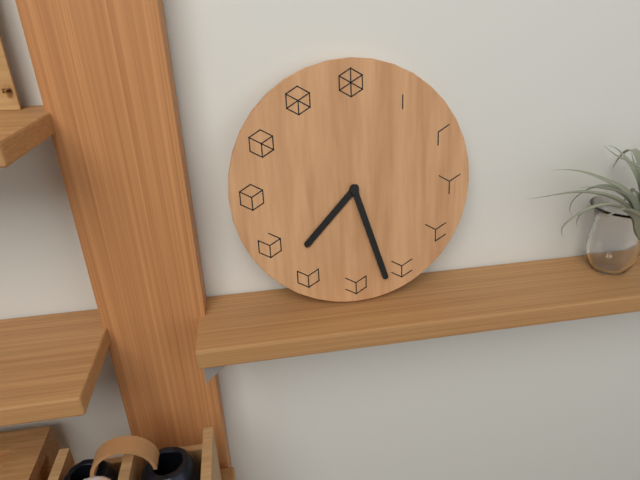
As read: {"hour": 7, "minute": 27}
